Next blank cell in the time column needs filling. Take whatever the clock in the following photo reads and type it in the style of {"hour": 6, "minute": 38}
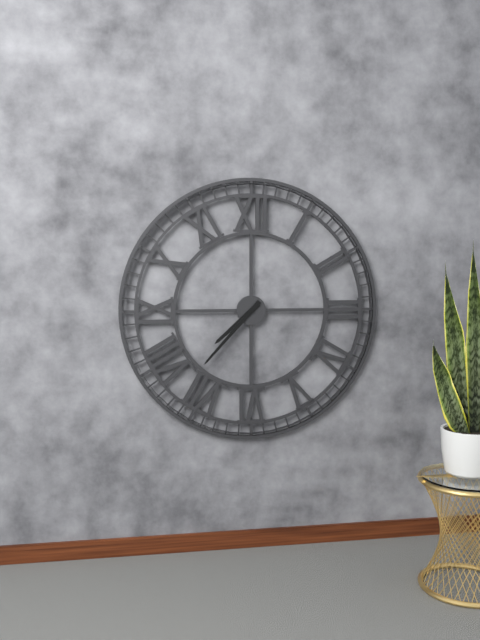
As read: {"hour": 7, "minute": 37}
